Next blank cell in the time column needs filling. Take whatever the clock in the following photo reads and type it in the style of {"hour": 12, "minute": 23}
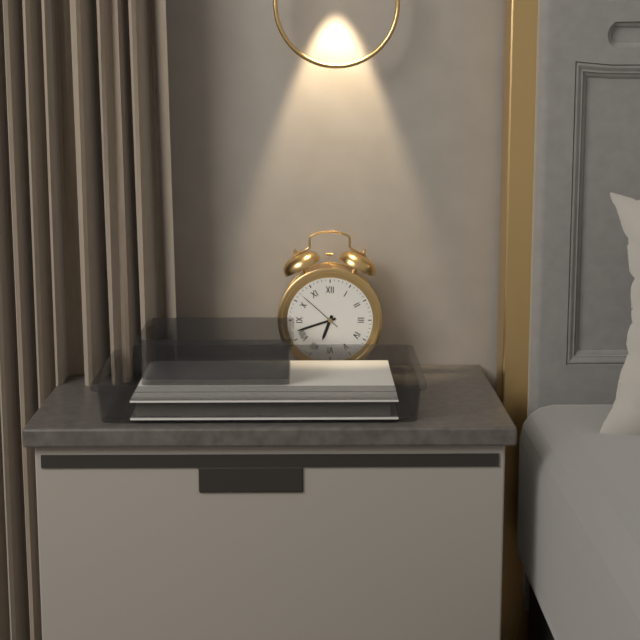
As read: {"hour": 6, "minute": 42}
